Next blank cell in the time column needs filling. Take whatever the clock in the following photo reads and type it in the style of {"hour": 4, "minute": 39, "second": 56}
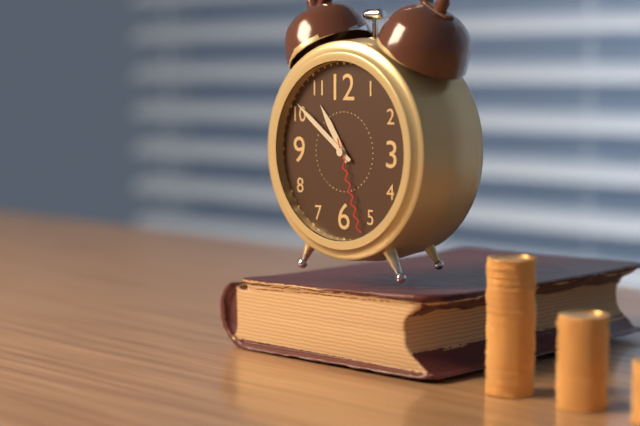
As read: {"hour": 10, "minute": 51, "second": 27}
